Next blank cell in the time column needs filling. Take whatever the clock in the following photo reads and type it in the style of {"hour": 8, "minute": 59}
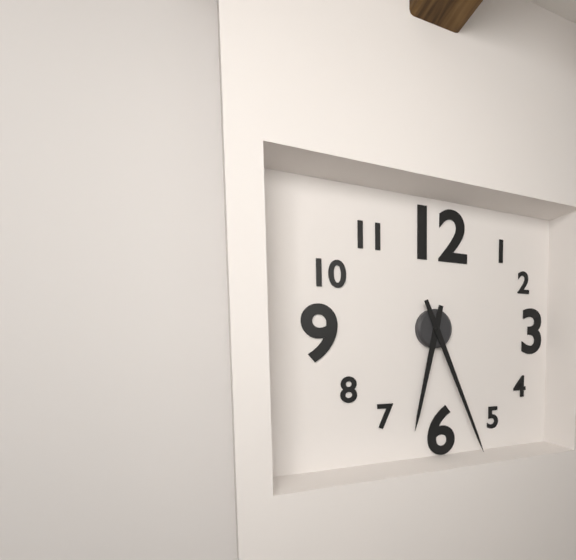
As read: {"hour": 6, "minute": 26}
